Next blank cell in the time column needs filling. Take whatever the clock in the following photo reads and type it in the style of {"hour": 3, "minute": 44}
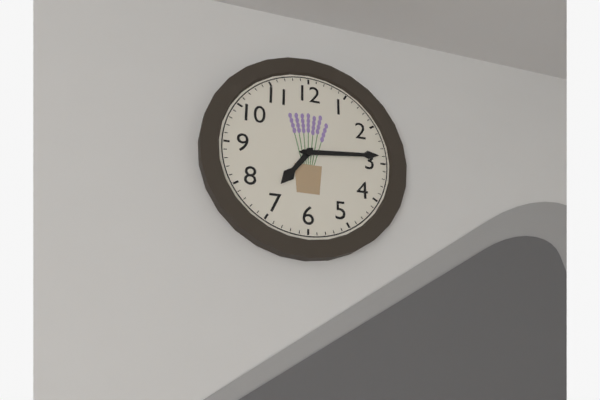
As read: {"hour": 7, "minute": 14}
